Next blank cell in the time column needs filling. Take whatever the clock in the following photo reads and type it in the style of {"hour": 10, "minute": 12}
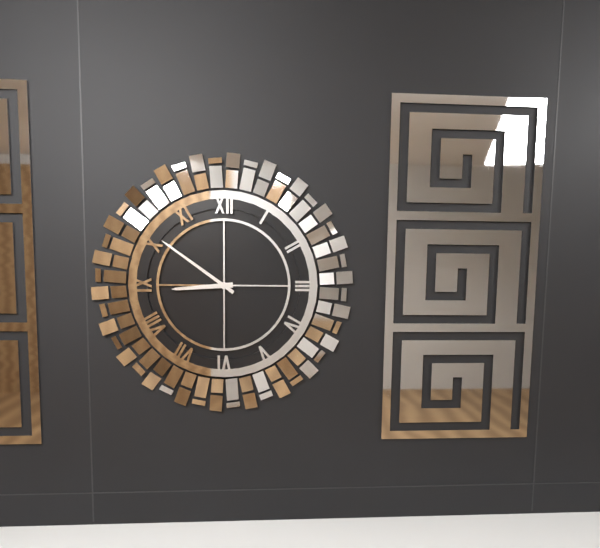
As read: {"hour": 8, "minute": 51}
